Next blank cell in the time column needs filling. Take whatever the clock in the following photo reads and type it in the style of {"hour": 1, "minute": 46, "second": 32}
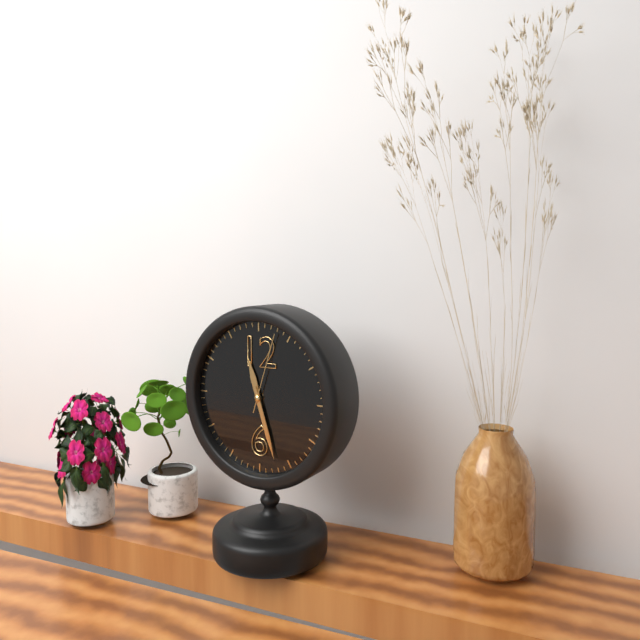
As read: {"hour": 11, "minute": 27, "second": 3}
